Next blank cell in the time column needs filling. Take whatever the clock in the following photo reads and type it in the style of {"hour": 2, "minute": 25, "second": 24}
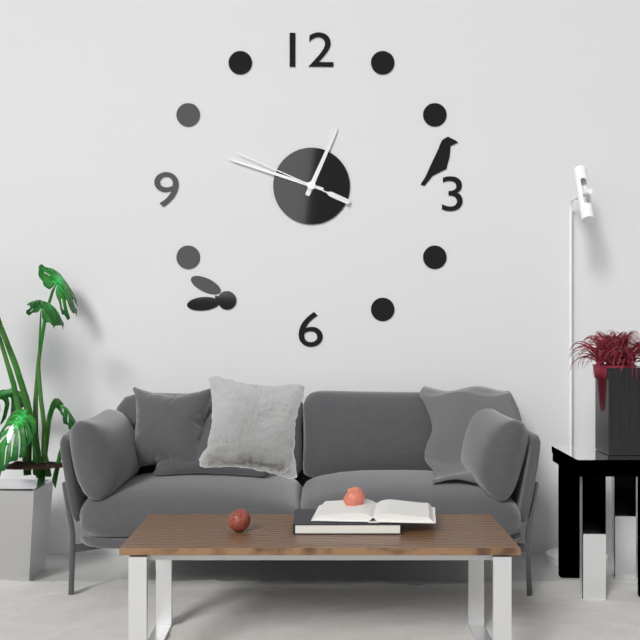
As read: {"hour": 12, "minute": 48, "second": 49}
